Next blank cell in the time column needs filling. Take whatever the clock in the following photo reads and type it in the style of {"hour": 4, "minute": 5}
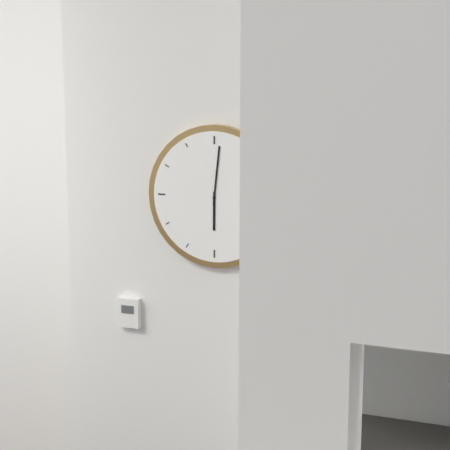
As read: {"hour": 6, "minute": 1}
